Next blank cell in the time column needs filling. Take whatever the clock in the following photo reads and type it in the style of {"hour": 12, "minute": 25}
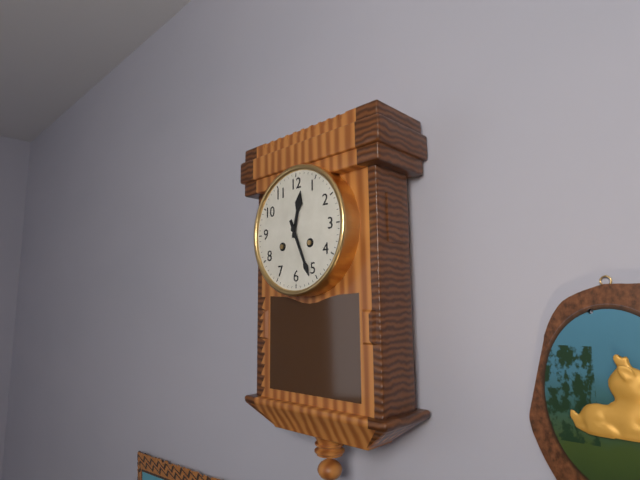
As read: {"hour": 12, "minute": 26}
